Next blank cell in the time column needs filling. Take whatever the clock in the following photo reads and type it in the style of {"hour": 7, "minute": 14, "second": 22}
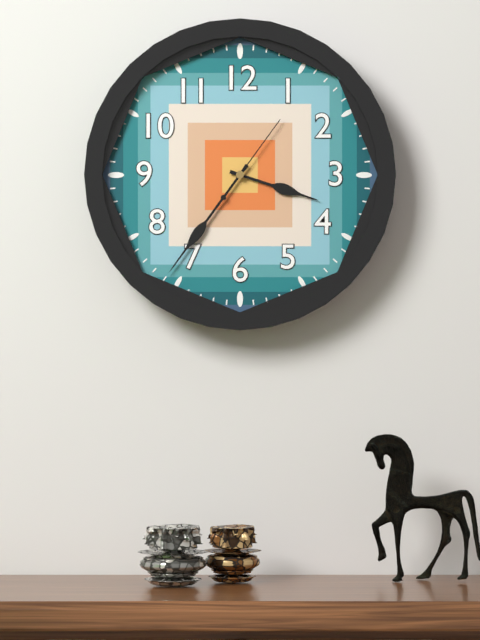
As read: {"hour": 3, "minute": 36, "second": 6}
